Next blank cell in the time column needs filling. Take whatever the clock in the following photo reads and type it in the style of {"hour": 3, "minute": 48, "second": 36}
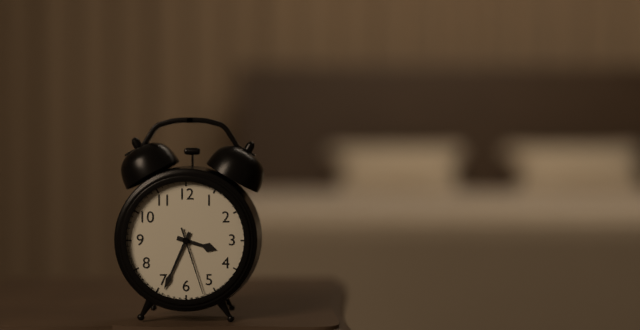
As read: {"hour": 3, "minute": 34, "second": 27}
